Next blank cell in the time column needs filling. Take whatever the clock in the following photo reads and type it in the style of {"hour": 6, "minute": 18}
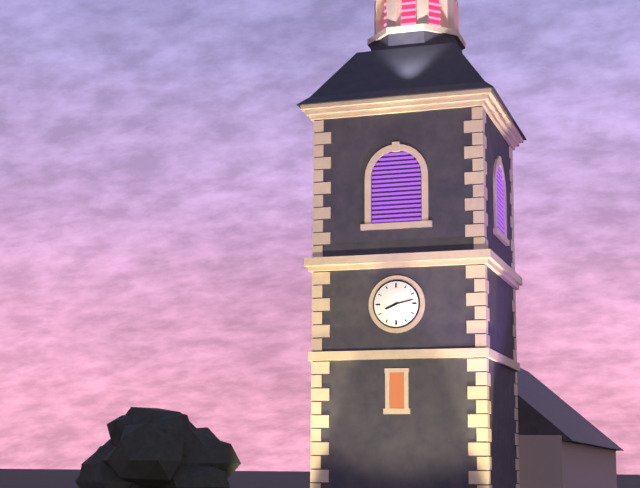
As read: {"hour": 8, "minute": 13}
